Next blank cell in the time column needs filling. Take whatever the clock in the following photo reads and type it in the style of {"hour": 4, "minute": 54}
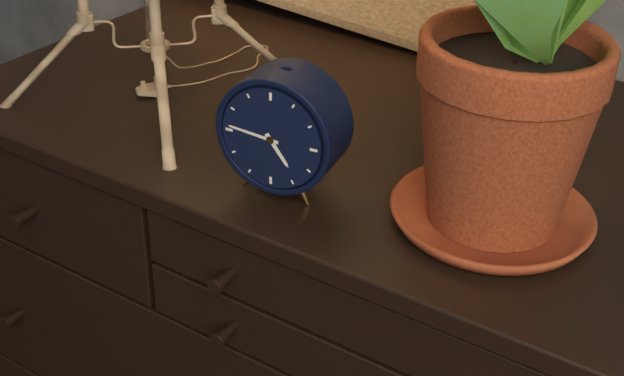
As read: {"hour": 4, "minute": 46}
